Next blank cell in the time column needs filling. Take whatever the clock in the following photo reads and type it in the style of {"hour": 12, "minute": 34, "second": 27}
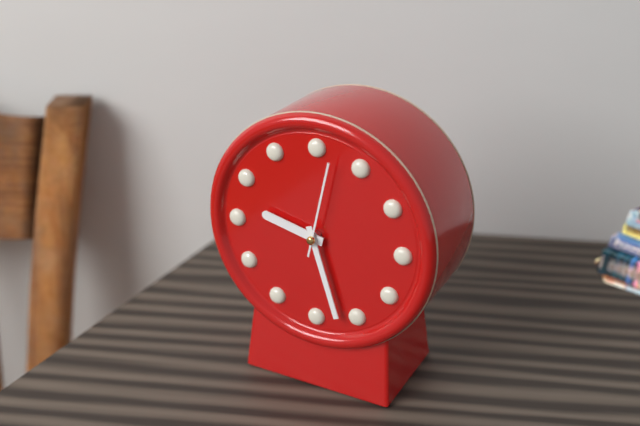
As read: {"hour": 9, "minute": 27, "second": 2}
